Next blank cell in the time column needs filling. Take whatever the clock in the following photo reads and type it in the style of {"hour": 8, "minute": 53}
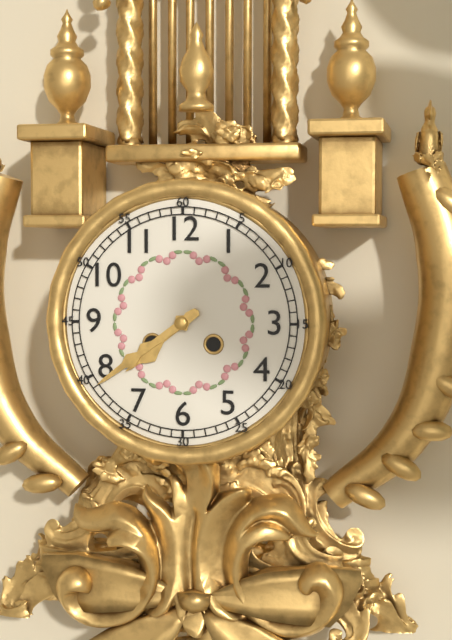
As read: {"hour": 7, "minute": 39}
